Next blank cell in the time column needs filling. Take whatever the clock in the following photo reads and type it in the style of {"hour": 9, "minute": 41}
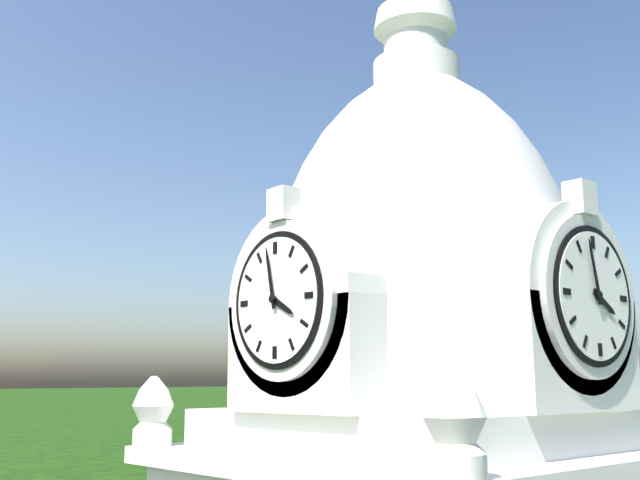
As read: {"hour": 3, "minute": 58}
